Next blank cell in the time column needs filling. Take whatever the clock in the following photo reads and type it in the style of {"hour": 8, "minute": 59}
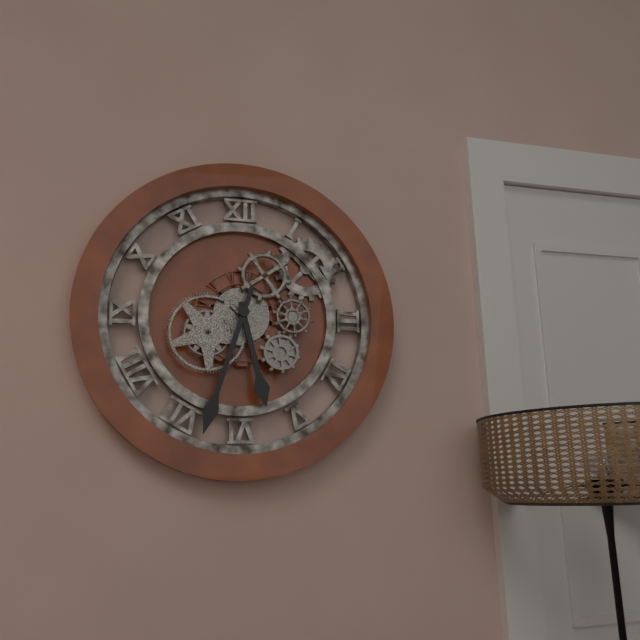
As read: {"hour": 5, "minute": 33}
